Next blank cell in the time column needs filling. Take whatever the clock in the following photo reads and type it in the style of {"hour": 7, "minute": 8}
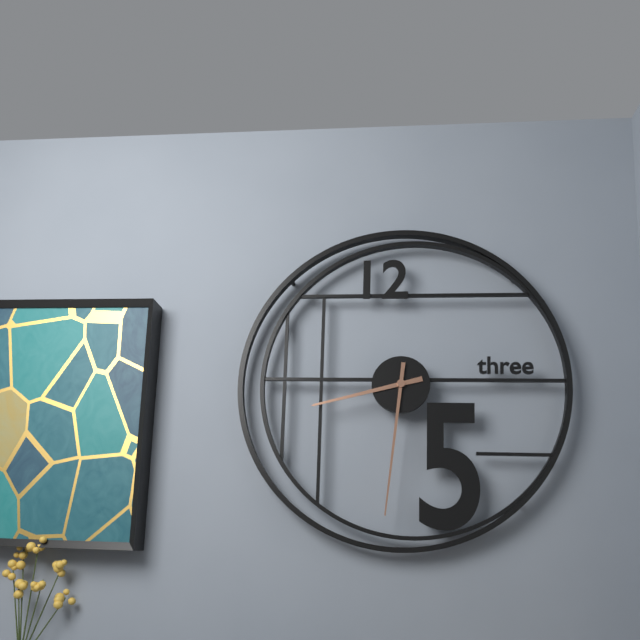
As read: {"hour": 8, "minute": 31}
